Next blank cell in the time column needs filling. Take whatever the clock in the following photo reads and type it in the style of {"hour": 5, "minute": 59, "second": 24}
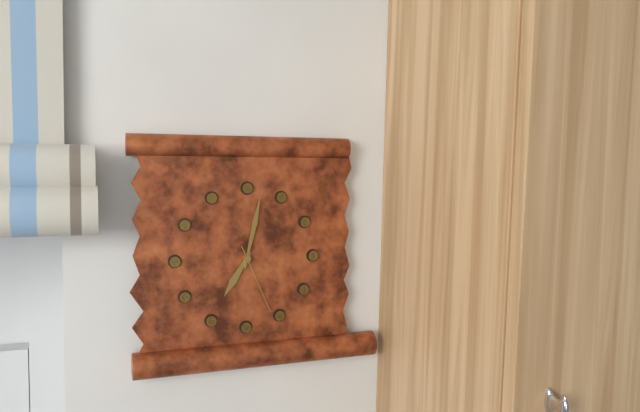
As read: {"hour": 7, "minute": 2, "second": 26}
